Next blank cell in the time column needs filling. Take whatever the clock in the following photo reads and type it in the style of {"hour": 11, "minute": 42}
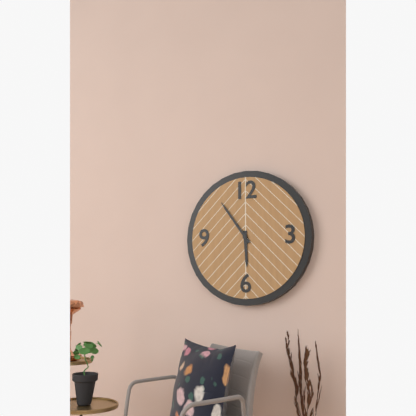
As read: {"hour": 5, "minute": 54}
